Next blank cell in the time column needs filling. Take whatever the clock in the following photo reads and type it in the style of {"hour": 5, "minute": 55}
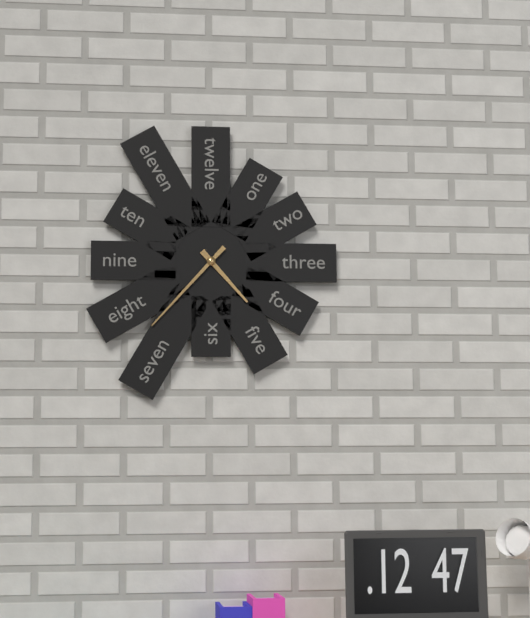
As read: {"hour": 4, "minute": 37}
